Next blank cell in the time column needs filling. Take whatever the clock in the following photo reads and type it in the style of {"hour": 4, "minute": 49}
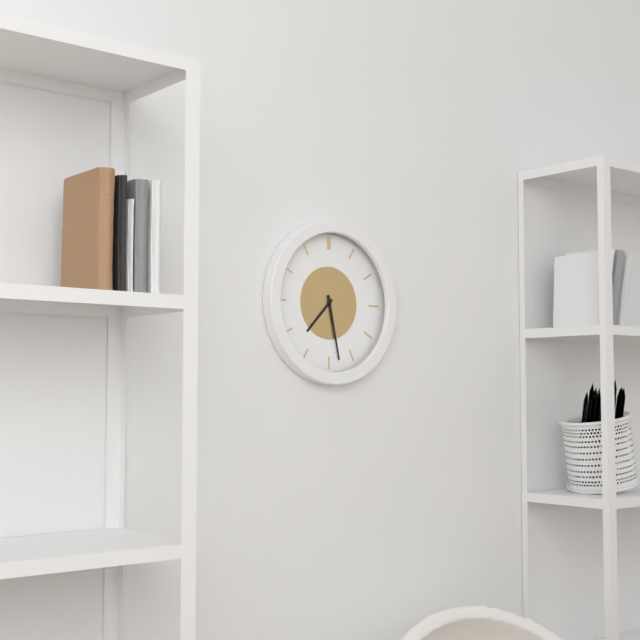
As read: {"hour": 7, "minute": 28}
